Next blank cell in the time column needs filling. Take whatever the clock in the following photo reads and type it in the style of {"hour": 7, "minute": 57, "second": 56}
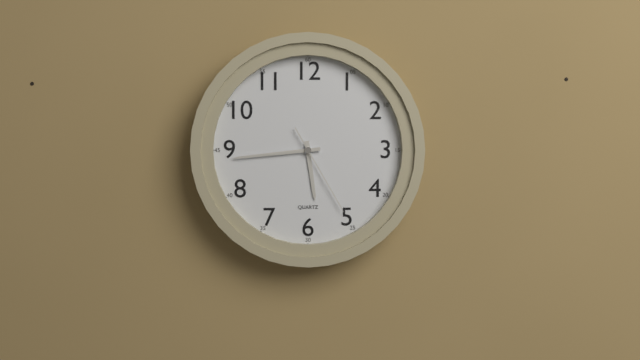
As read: {"hour": 5, "minute": 44, "second": 25}
